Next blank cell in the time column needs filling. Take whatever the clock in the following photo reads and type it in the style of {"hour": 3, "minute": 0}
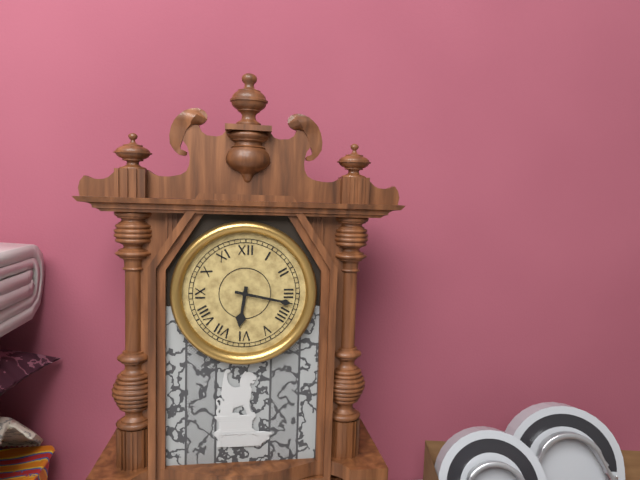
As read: {"hour": 6, "minute": 17}
